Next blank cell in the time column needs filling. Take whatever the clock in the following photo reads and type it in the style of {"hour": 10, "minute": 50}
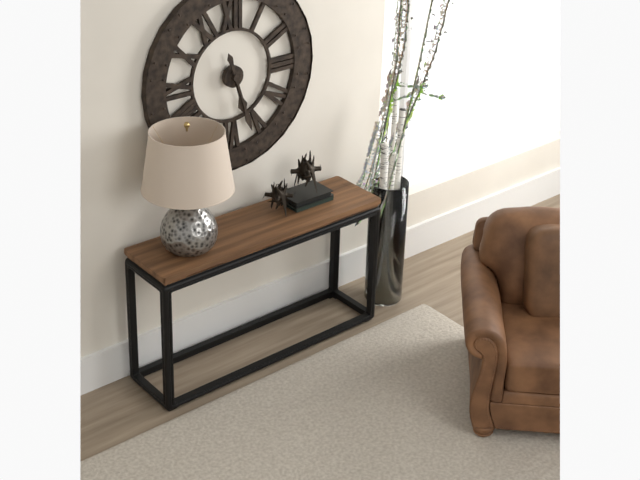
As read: {"hour": 5, "minute": 27}
